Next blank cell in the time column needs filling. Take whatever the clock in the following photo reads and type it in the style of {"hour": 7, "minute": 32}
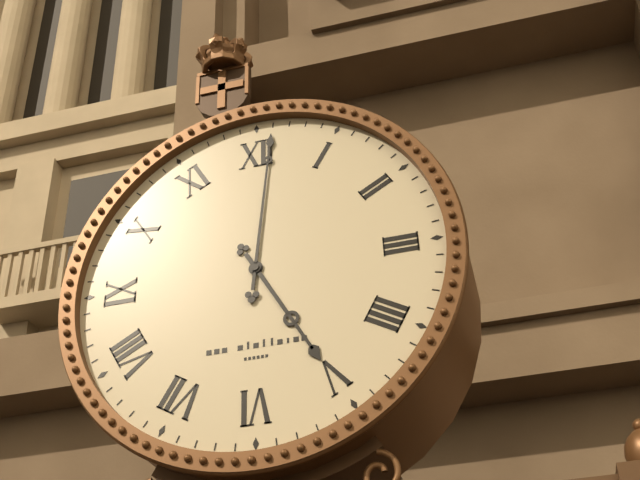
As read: {"hour": 5, "minute": 1}
